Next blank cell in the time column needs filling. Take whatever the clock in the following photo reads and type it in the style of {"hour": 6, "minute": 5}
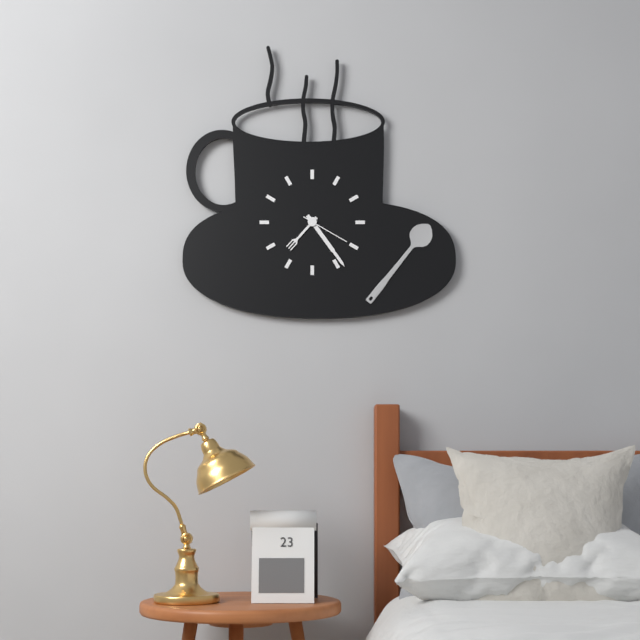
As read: {"hour": 7, "minute": 24}
